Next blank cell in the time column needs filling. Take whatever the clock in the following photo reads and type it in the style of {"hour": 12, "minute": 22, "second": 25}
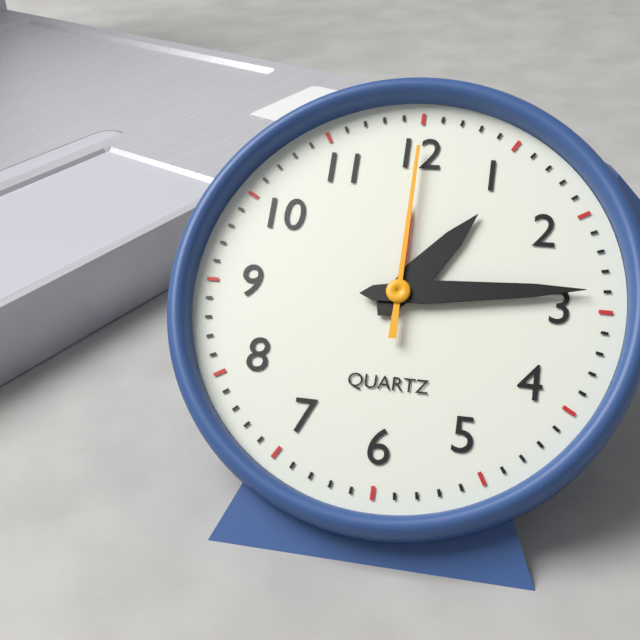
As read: {"hour": 1, "minute": 14, "second": 0}
